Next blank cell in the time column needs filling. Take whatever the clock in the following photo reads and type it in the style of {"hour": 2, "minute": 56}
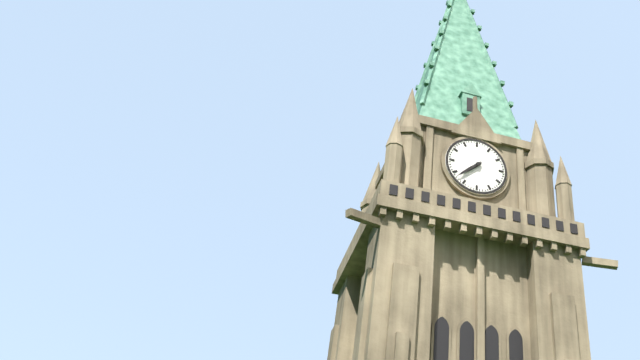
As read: {"hour": 7, "minute": 38}
